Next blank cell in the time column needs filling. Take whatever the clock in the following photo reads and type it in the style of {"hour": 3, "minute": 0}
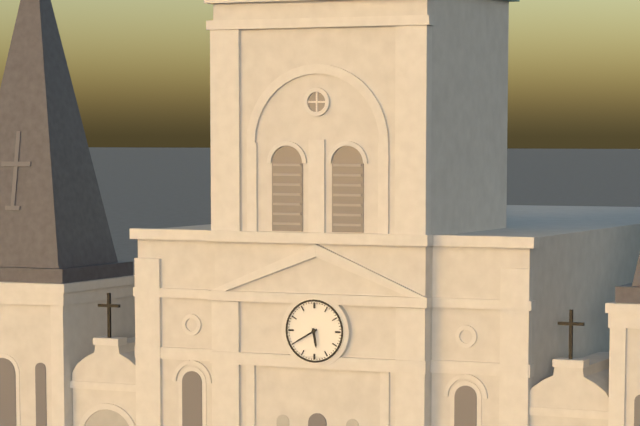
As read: {"hour": 5, "minute": 40}
